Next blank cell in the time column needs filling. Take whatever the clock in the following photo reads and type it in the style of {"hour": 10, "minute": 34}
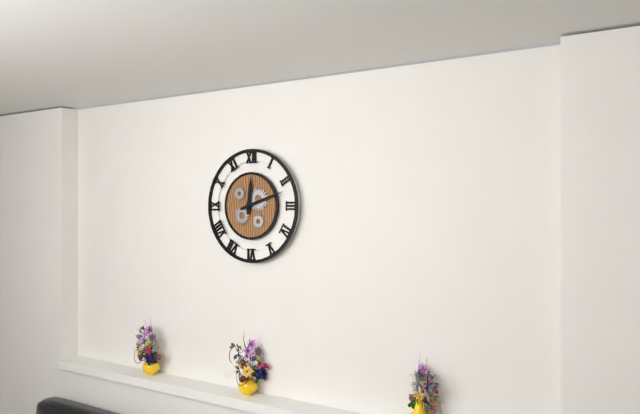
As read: {"hour": 12, "minute": 12}
